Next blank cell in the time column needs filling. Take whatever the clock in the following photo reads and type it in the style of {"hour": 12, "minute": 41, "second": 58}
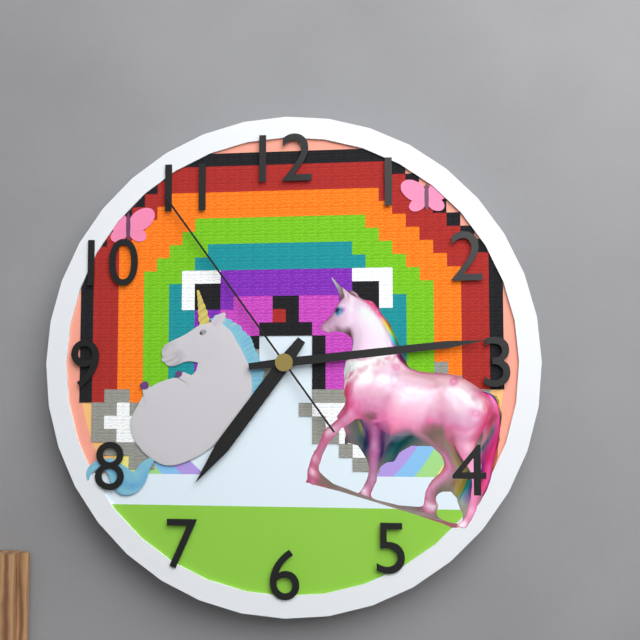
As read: {"hour": 7, "minute": 14, "second": 54}
